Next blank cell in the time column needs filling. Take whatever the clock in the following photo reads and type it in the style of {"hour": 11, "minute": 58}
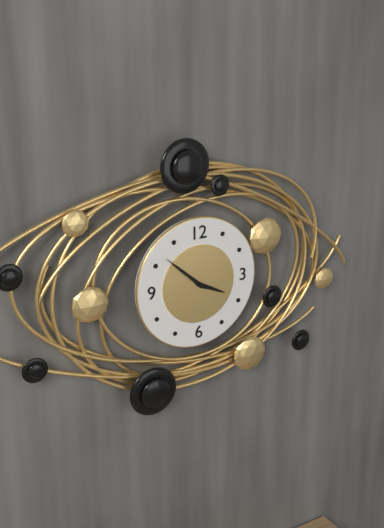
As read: {"hour": 3, "minute": 52}
